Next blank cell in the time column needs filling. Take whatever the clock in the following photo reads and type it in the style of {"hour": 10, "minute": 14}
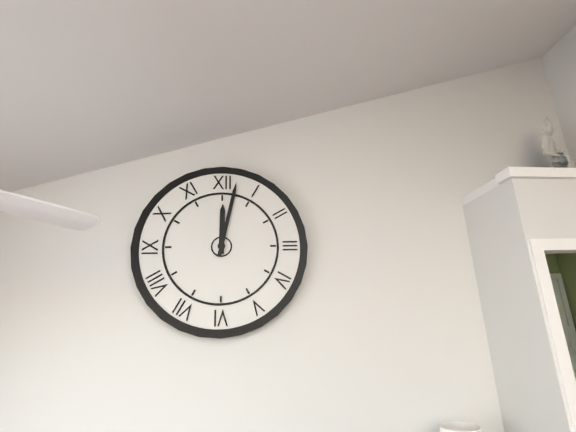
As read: {"hour": 12, "minute": 2}
